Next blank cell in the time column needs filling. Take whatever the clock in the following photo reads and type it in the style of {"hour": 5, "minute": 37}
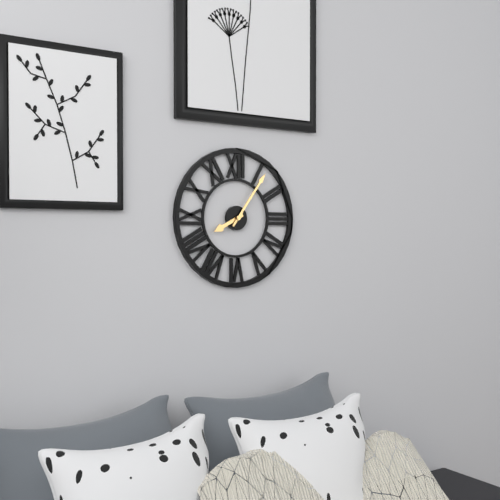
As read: {"hour": 8, "minute": 6}
